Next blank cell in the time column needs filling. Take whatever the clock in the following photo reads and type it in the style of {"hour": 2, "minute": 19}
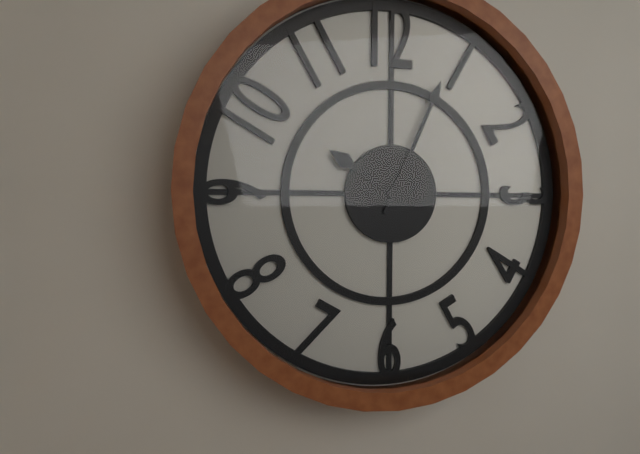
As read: {"hour": 10, "minute": 4}
